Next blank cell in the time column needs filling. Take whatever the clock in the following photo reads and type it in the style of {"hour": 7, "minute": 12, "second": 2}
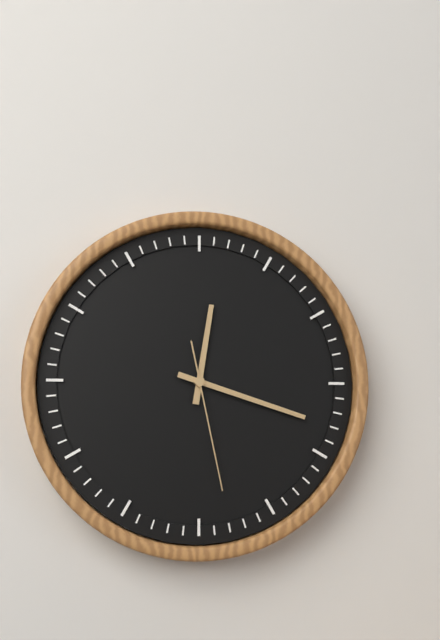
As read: {"hour": 12, "minute": 18, "second": 28}
